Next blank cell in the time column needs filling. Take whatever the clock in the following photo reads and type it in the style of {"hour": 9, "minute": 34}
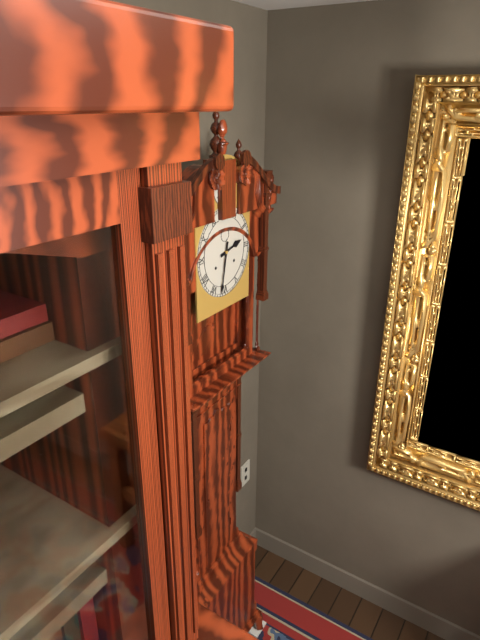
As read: {"hour": 2, "minute": 32}
